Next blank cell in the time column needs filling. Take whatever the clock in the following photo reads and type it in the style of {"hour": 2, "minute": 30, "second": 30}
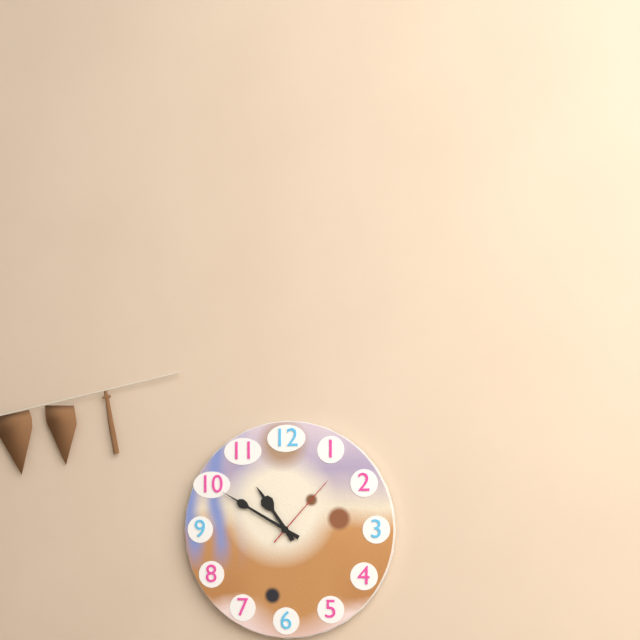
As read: {"hour": 10, "minute": 50, "second": 7}
